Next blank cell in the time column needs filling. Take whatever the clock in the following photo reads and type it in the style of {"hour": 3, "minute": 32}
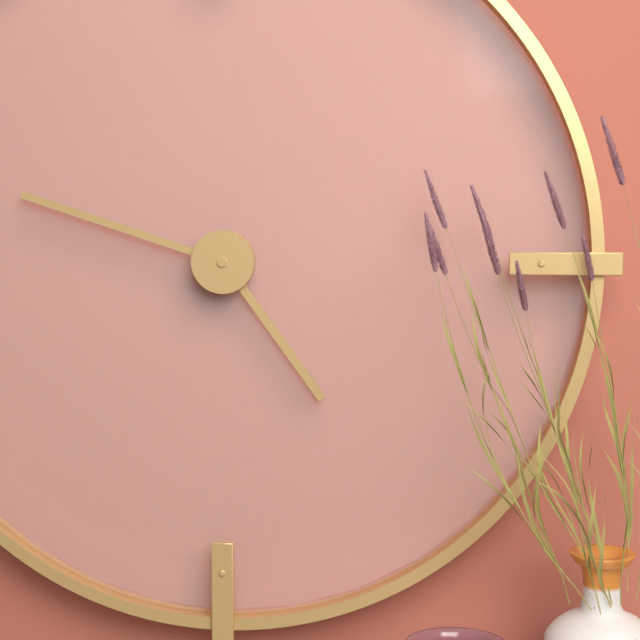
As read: {"hour": 4, "minute": 48}
